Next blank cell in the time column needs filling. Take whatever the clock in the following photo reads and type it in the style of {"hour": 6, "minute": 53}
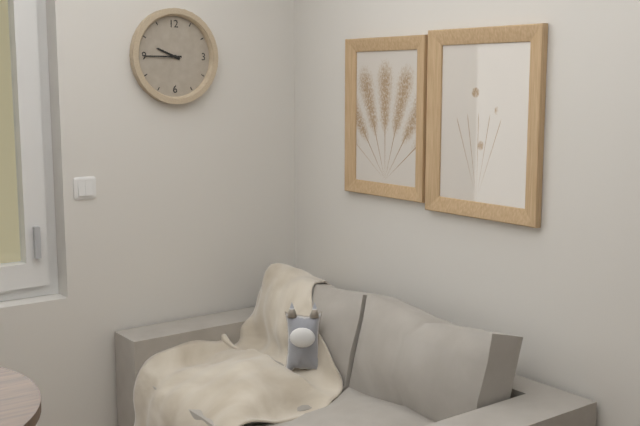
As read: {"hour": 9, "minute": 45}
